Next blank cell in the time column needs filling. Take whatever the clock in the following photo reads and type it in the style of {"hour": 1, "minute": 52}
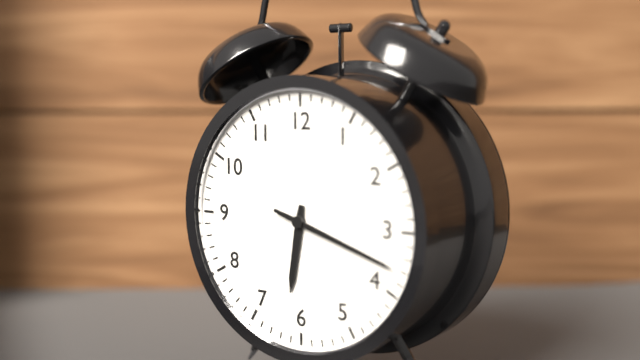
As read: {"hour": 6, "minute": 18}
